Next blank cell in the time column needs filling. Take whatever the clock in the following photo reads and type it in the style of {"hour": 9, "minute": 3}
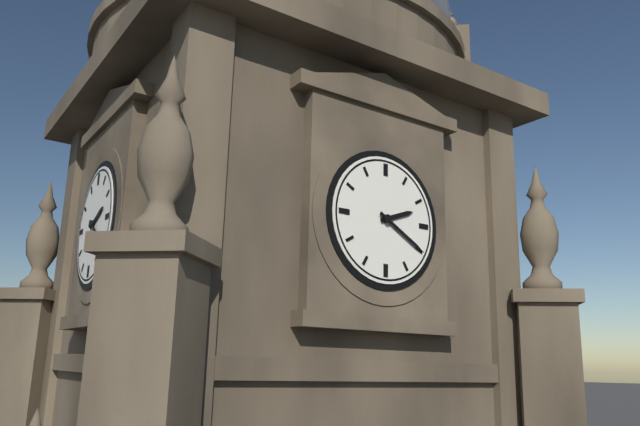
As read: {"hour": 2, "minute": 20}
